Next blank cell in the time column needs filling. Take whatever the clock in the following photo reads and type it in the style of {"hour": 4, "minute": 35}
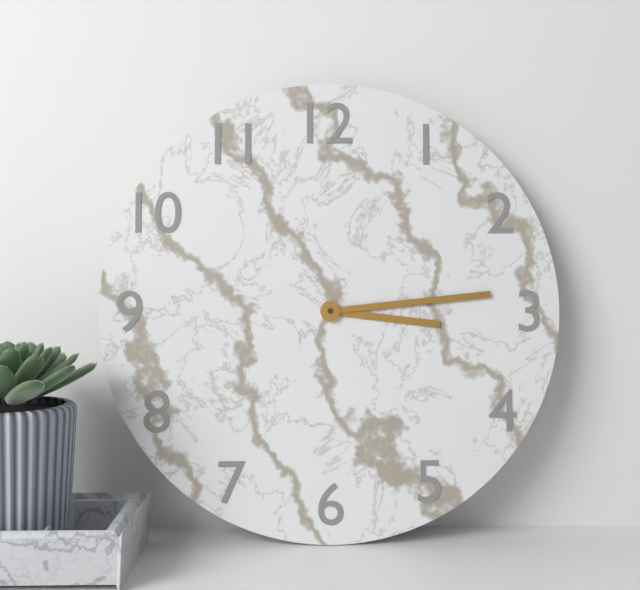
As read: {"hour": 3, "minute": 14}
